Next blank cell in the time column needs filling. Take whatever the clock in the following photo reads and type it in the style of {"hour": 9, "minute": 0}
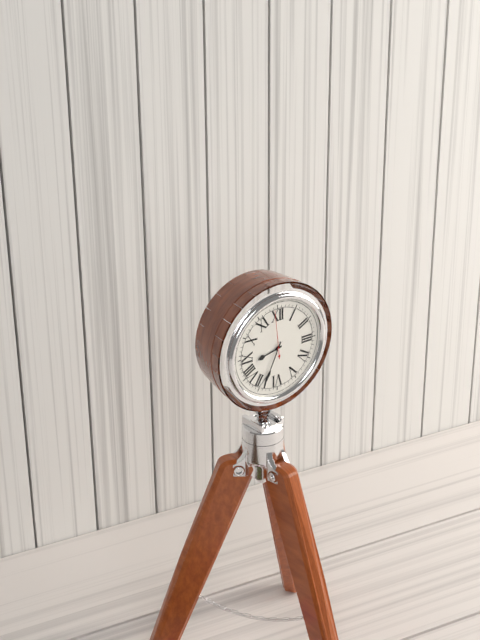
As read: {"hour": 8, "minute": 34}
